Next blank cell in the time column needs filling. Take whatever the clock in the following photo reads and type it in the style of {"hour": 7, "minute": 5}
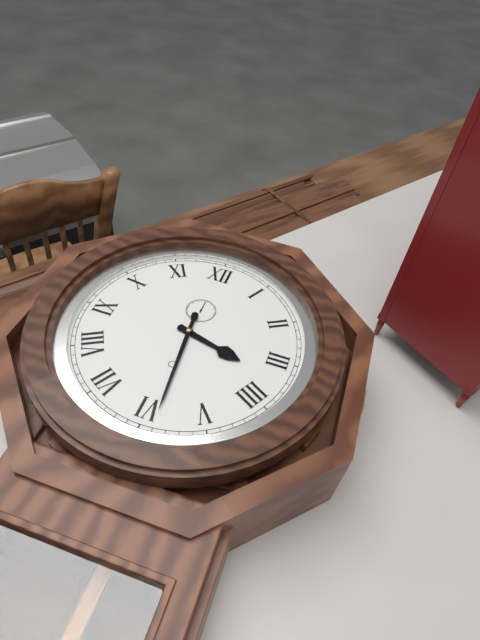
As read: {"hour": 3, "minute": 29}
